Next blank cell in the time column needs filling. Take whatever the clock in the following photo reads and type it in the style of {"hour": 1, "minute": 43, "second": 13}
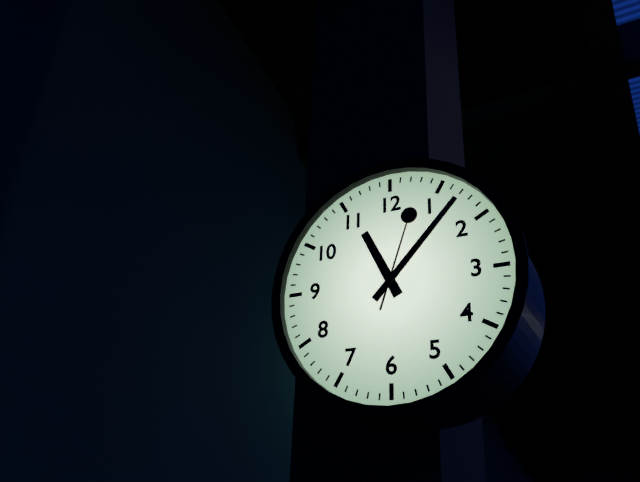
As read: {"hour": 11, "minute": 7, "second": 3}
